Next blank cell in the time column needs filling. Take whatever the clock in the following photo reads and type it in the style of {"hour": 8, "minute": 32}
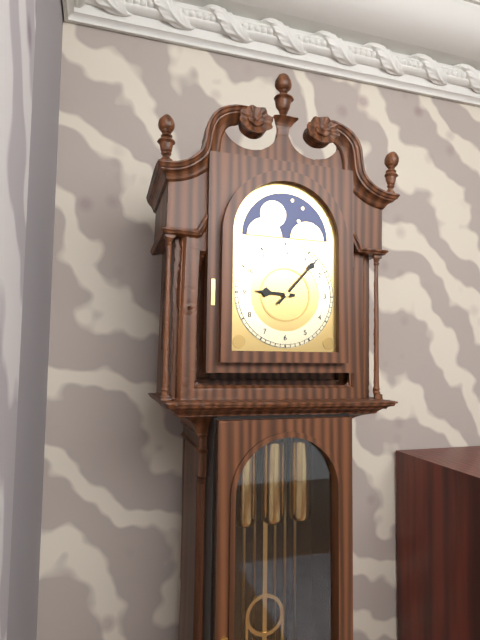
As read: {"hour": 9, "minute": 7}
